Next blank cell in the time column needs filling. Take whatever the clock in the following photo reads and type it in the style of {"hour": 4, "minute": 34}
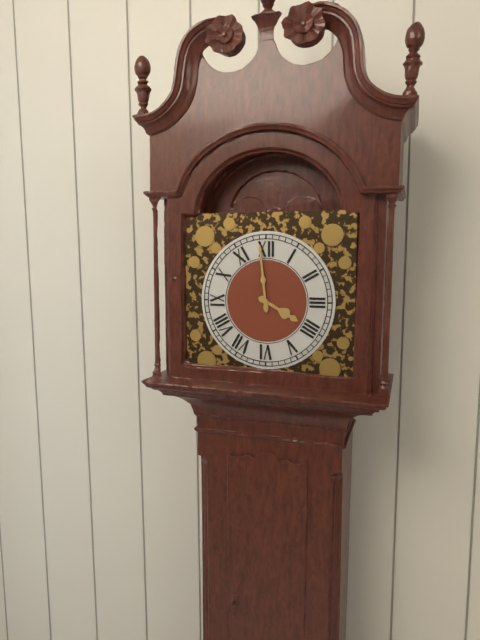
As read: {"hour": 3, "minute": 59}
